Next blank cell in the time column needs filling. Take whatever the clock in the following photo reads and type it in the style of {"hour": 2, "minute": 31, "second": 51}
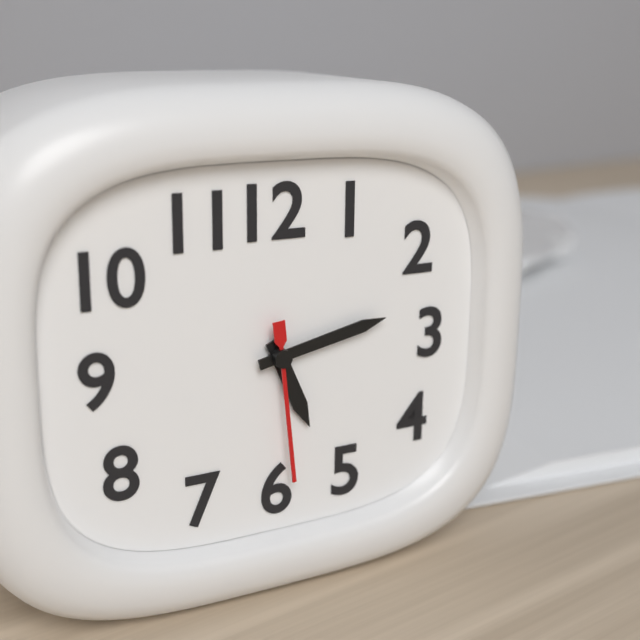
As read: {"hour": 5, "minute": 13, "second": 29}
